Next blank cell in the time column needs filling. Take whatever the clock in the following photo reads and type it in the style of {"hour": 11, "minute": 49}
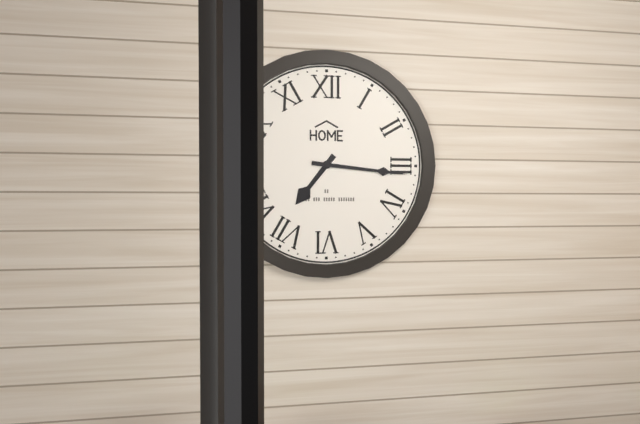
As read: {"hour": 7, "minute": 16}
